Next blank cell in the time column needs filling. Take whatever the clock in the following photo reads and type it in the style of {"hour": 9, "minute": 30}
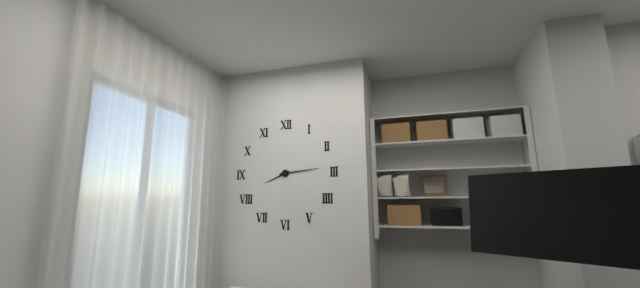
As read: {"hour": 8, "minute": 14}
